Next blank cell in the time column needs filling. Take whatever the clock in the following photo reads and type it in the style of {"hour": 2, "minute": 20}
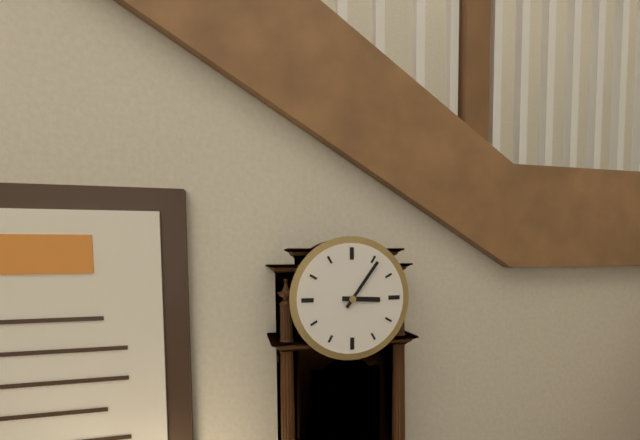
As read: {"hour": 3, "minute": 6}
